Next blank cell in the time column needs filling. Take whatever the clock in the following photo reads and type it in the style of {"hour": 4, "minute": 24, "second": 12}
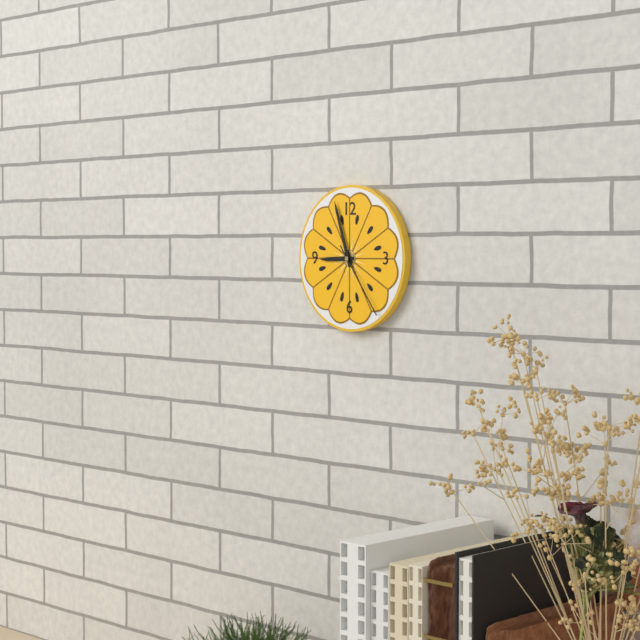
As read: {"hour": 8, "minute": 57, "second": 24}
